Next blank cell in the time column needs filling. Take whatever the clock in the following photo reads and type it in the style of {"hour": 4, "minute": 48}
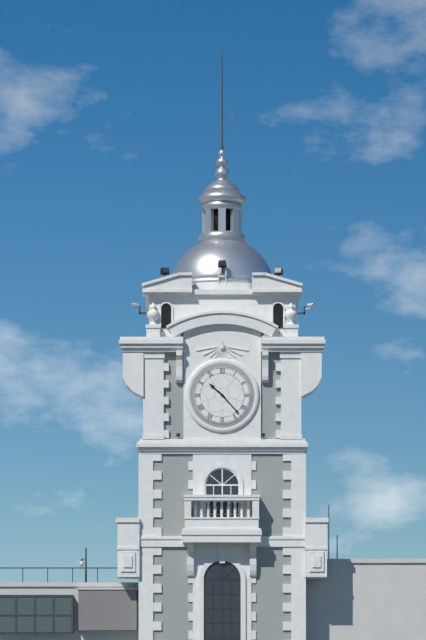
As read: {"hour": 10, "minute": 23}
